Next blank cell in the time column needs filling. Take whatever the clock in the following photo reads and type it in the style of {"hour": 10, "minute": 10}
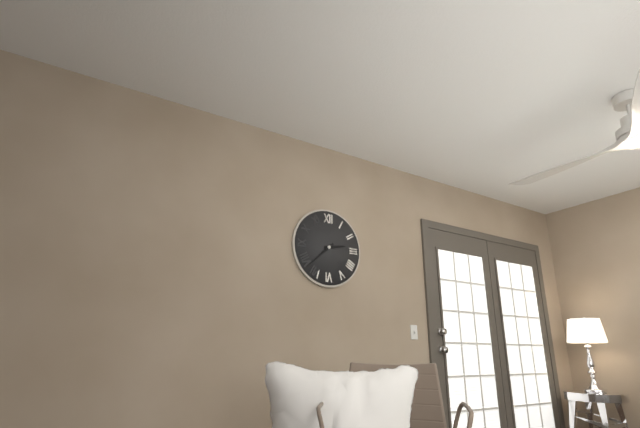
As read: {"hour": 2, "minute": 38}
